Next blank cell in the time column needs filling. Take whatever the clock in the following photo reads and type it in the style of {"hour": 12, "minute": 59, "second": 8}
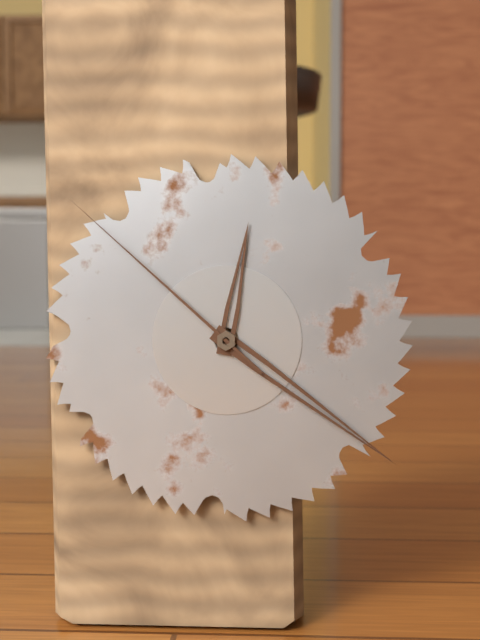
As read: {"hour": 12, "minute": 21, "second": 52}
